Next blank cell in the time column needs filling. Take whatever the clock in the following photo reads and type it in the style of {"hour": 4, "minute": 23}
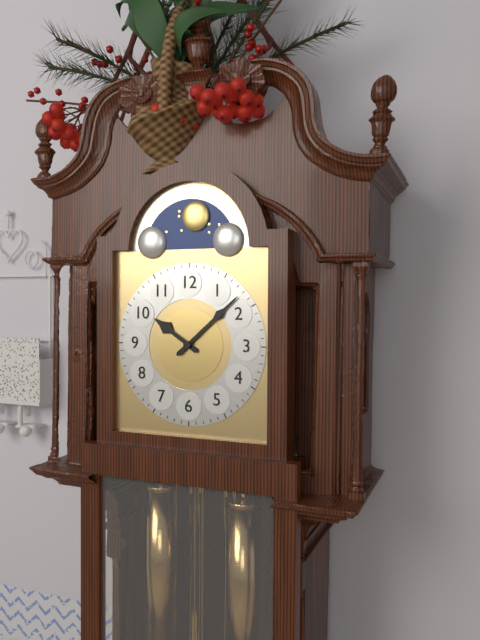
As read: {"hour": 10, "minute": 8}
